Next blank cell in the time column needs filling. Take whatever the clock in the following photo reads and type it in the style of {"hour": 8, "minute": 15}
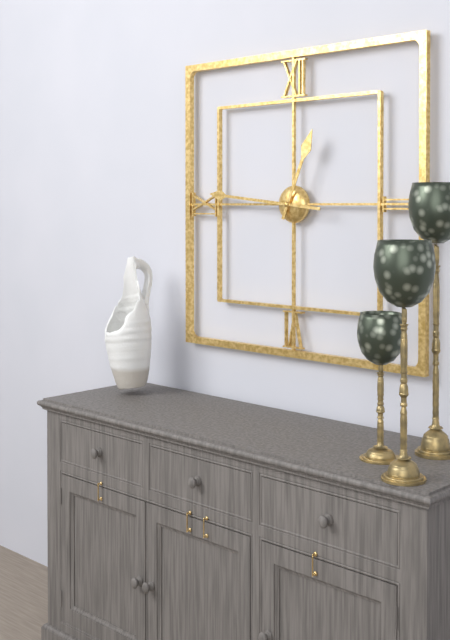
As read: {"hour": 12, "minute": 46}
